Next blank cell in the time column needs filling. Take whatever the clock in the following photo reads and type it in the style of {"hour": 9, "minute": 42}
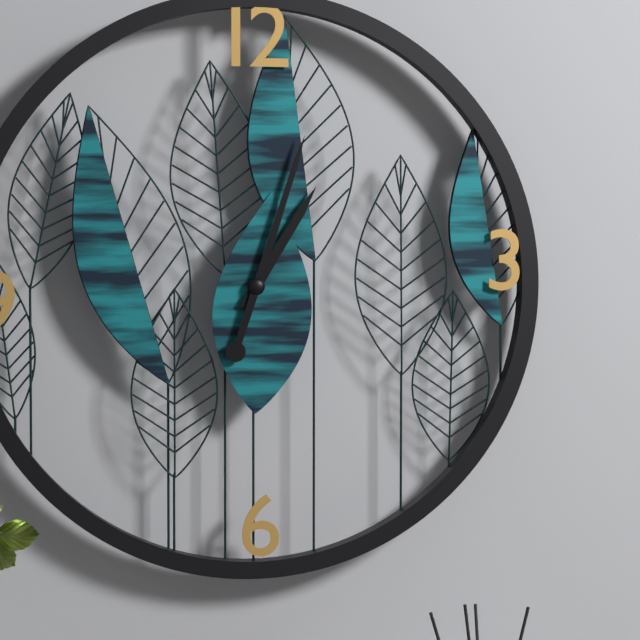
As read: {"hour": 1, "minute": 3}
